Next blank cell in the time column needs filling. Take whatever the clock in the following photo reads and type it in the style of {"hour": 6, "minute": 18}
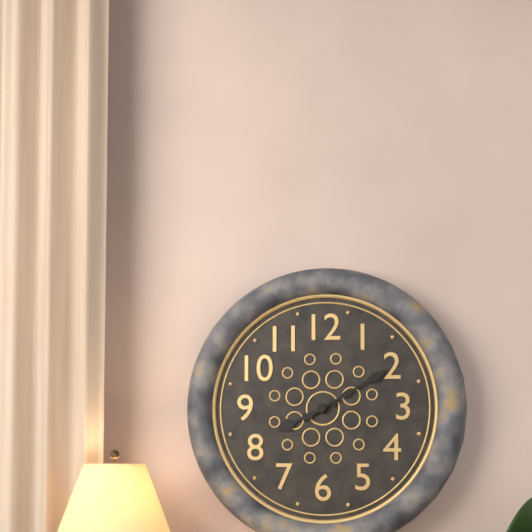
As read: {"hour": 8, "minute": 10}
